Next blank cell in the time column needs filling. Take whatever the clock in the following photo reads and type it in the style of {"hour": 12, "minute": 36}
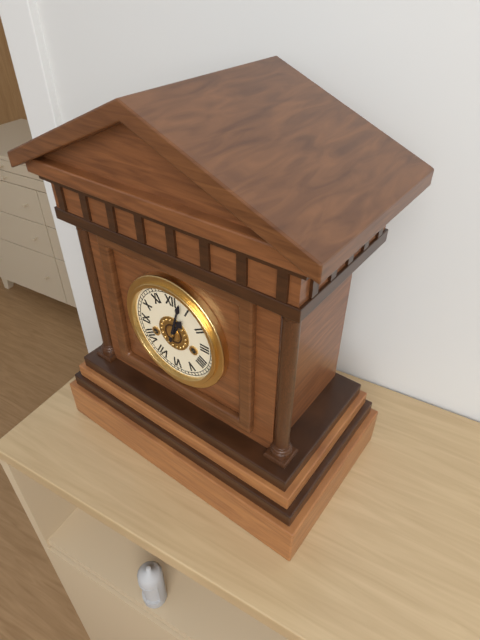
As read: {"hour": 1, "minute": 3}
